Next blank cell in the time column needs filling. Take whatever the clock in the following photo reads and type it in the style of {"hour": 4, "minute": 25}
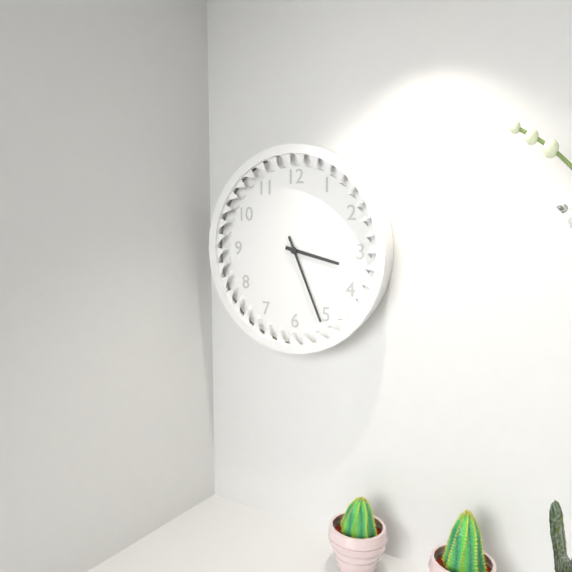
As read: {"hour": 3, "minute": 26}
